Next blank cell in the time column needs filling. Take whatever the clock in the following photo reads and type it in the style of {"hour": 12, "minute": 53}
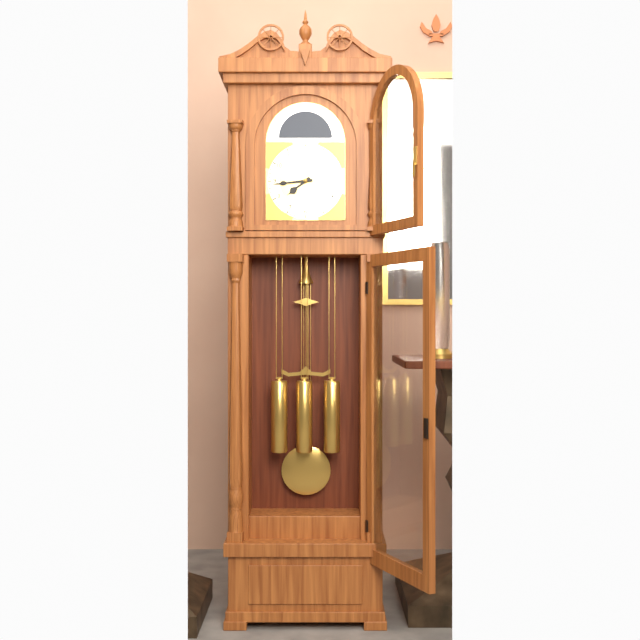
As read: {"hour": 7, "minute": 44}
